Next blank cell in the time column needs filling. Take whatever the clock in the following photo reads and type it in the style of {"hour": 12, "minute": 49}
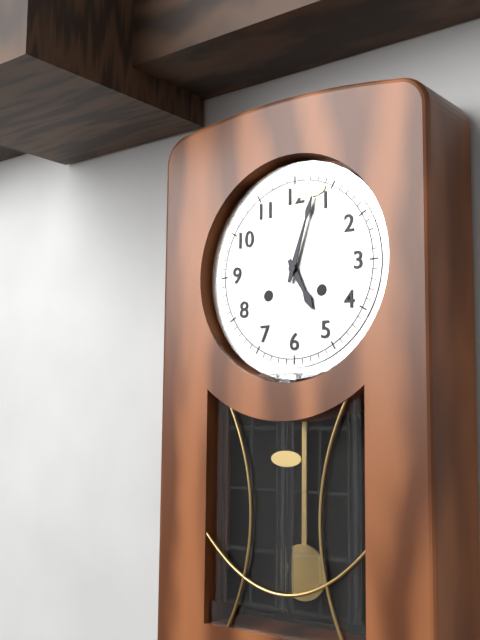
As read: {"hour": 5, "minute": 3}
